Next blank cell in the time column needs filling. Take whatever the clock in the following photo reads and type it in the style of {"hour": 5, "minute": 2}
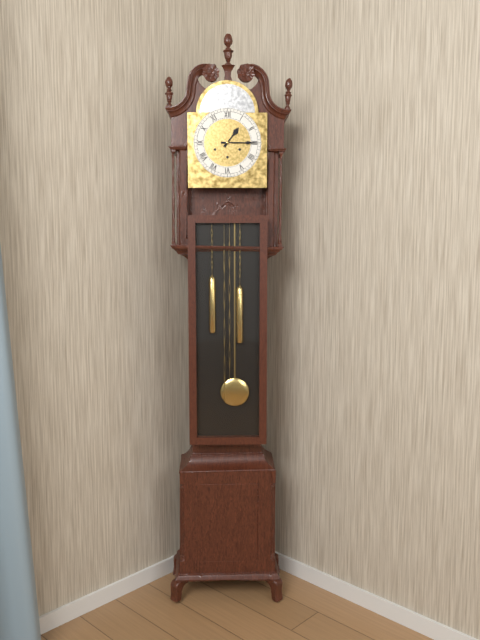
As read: {"hour": 1, "minute": 15}
